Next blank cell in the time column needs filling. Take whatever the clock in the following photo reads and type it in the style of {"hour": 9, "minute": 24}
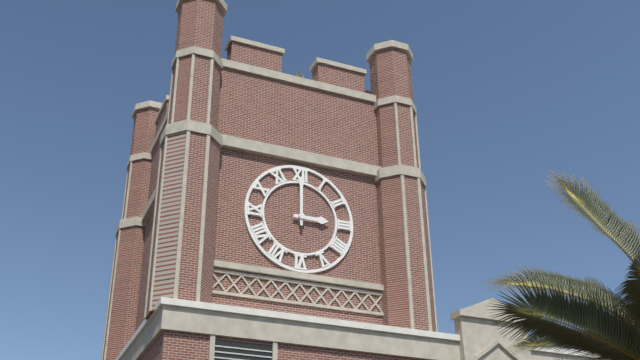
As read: {"hour": 3, "minute": 0}
